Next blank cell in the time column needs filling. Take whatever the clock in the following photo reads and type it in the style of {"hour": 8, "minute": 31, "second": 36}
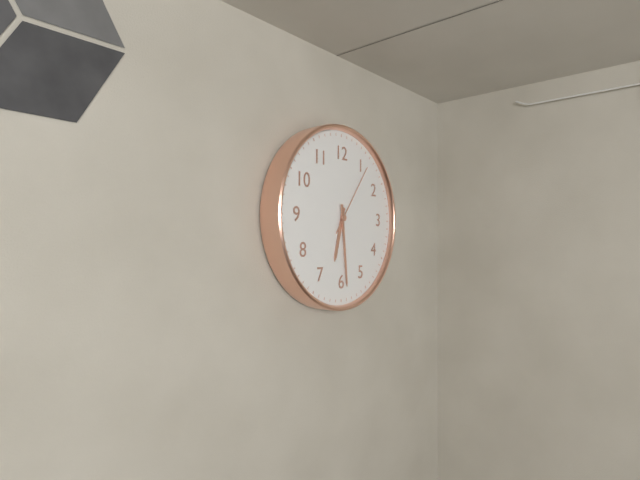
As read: {"hour": 6, "minute": 29, "second": 6}
